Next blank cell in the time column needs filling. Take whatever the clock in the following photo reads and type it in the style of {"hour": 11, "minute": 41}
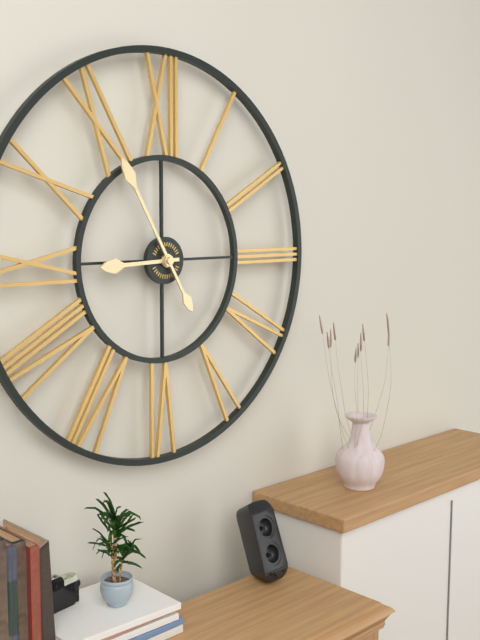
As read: {"hour": 8, "minute": 55}
